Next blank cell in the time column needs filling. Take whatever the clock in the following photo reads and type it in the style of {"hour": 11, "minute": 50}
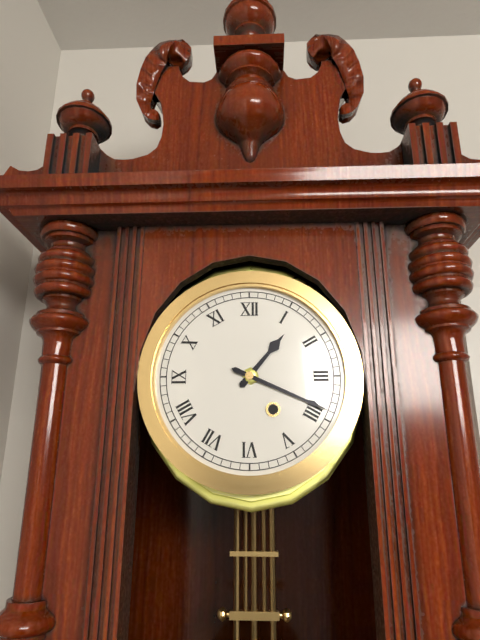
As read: {"hour": 1, "minute": 19}
